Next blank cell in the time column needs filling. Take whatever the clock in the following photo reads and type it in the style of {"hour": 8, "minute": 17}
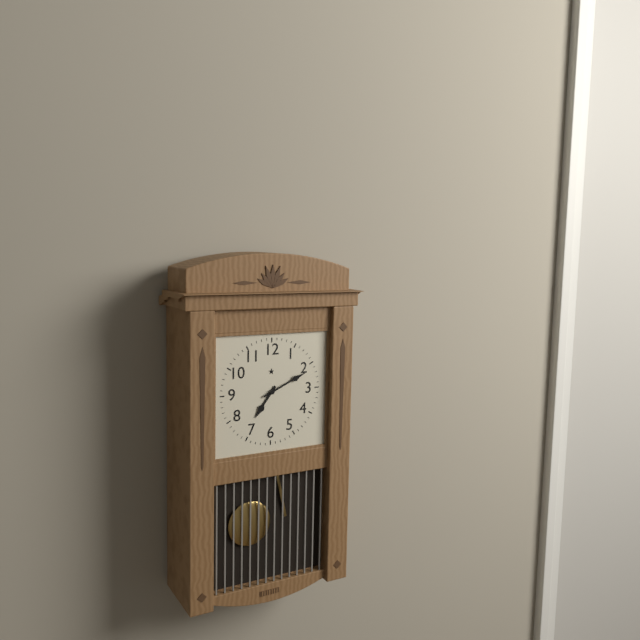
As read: {"hour": 7, "minute": 11}
